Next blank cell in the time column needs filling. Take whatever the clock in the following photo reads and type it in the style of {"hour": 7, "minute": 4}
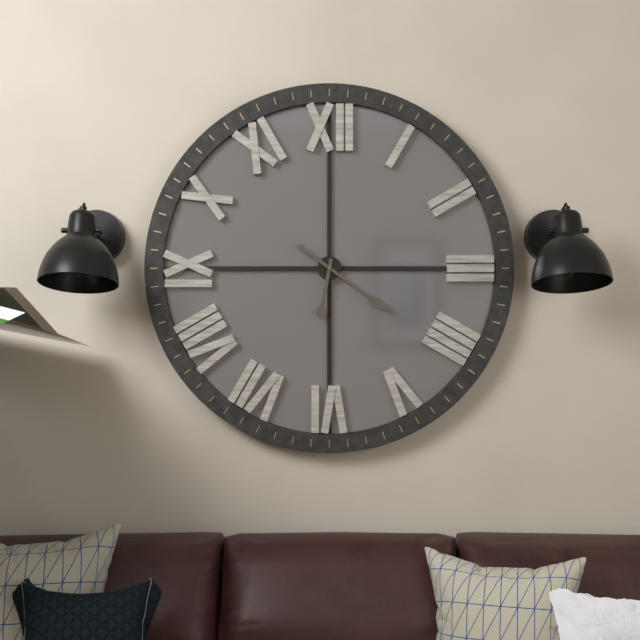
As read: {"hour": 6, "minute": 21}
